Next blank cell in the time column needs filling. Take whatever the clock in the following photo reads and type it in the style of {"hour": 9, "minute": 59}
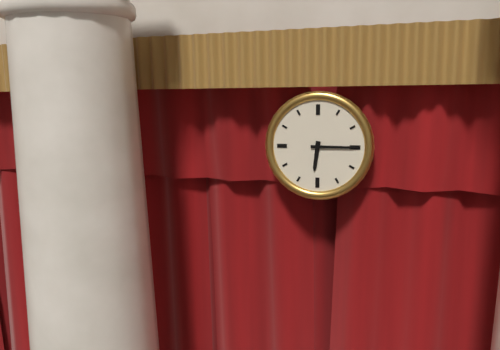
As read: {"hour": 6, "minute": 15}
